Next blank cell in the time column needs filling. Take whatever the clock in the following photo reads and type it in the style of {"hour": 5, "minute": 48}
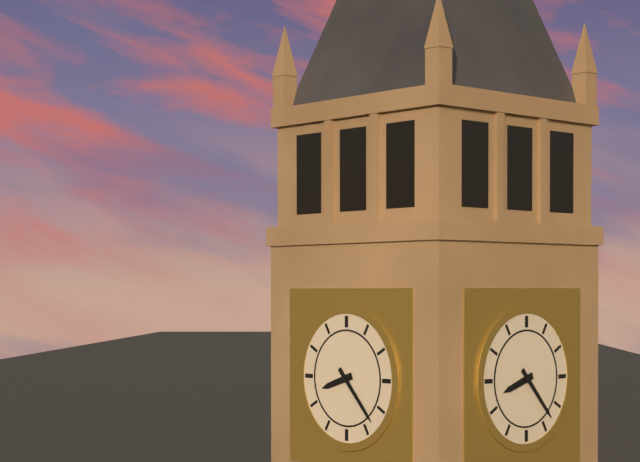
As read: {"hour": 8, "minute": 23}
